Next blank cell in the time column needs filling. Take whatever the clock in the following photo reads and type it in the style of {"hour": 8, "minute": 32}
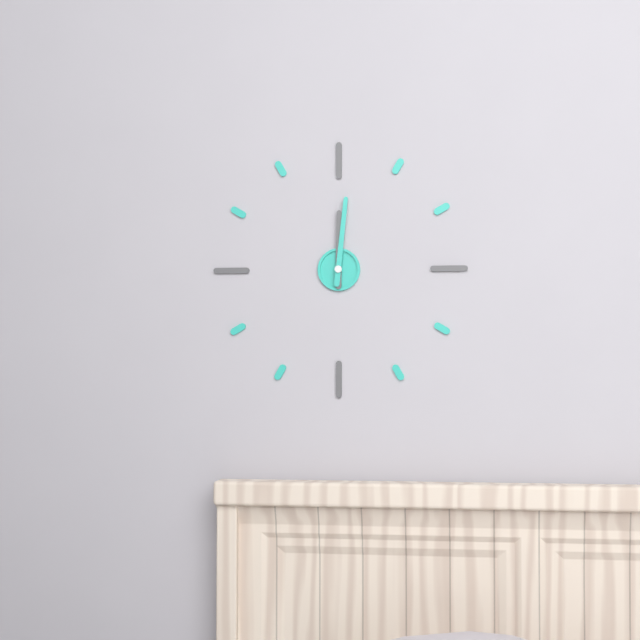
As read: {"hour": 12, "minute": 1}
